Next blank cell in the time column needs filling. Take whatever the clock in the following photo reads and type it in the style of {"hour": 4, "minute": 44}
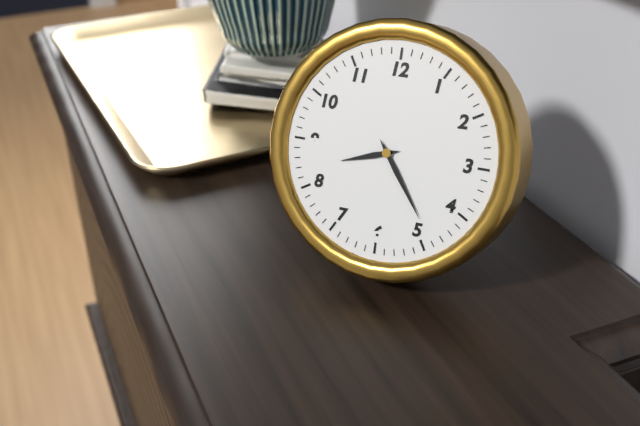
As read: {"hour": 8, "minute": 24}
